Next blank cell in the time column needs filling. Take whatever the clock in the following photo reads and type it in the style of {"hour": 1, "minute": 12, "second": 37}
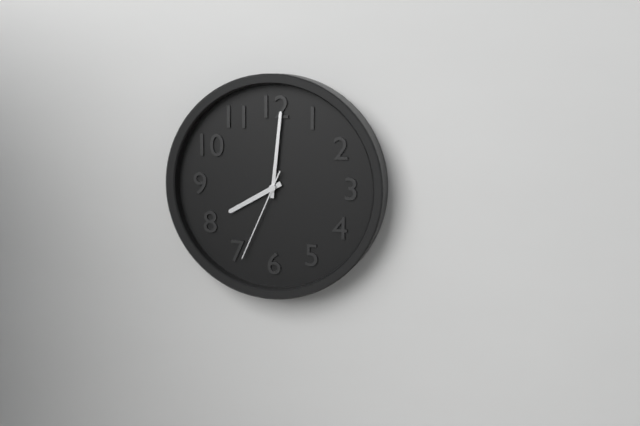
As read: {"hour": 8, "minute": 1, "second": 34}
